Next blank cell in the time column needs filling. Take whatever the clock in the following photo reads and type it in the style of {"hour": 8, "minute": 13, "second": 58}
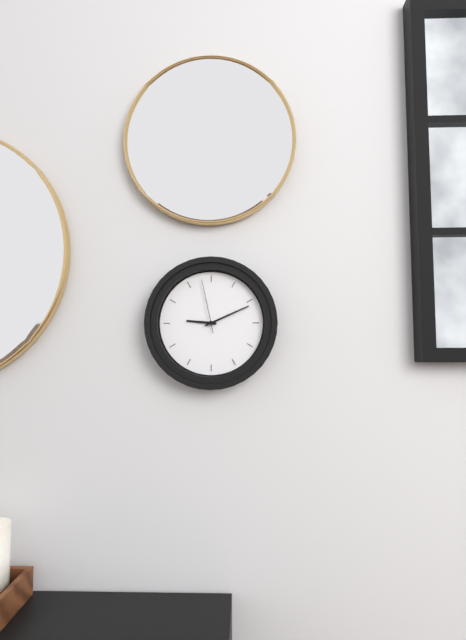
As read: {"hour": 9, "minute": 11, "second": 58}
